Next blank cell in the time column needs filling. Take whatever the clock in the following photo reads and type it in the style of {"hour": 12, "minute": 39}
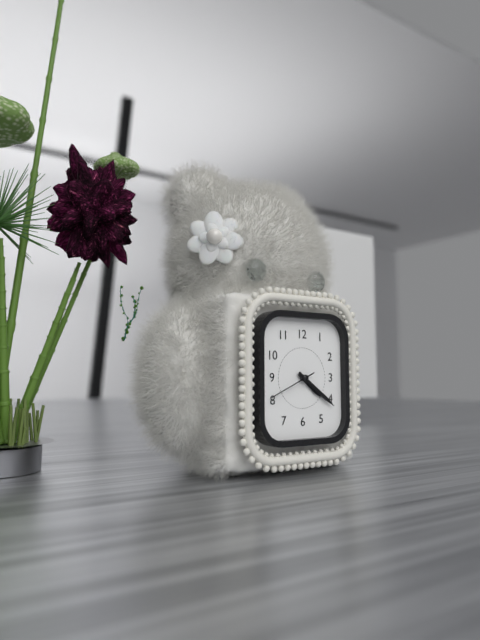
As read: {"hour": 4, "minute": 21}
